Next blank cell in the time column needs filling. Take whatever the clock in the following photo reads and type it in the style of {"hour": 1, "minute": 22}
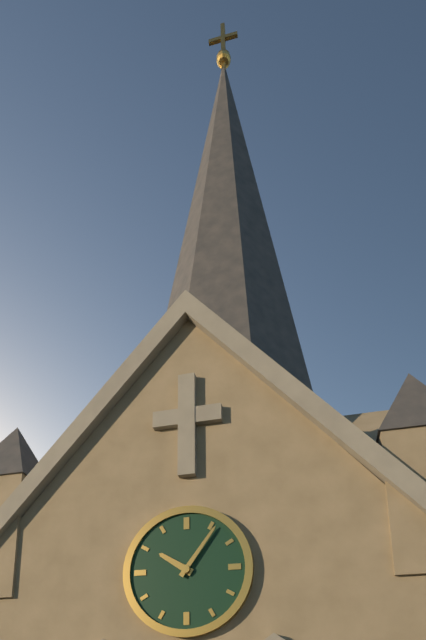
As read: {"hour": 10, "minute": 6}
